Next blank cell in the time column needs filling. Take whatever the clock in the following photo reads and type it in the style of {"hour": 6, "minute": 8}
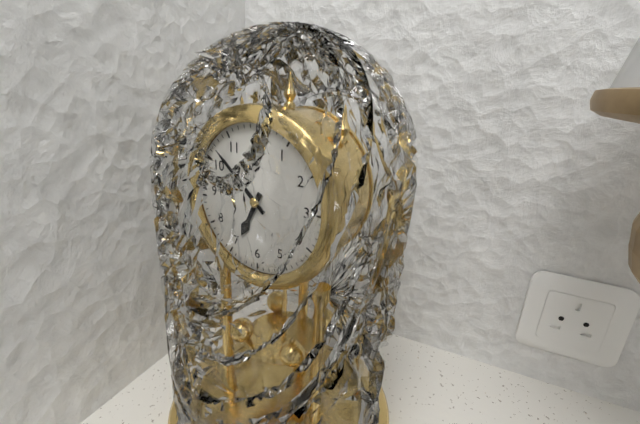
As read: {"hour": 6, "minute": 52}
